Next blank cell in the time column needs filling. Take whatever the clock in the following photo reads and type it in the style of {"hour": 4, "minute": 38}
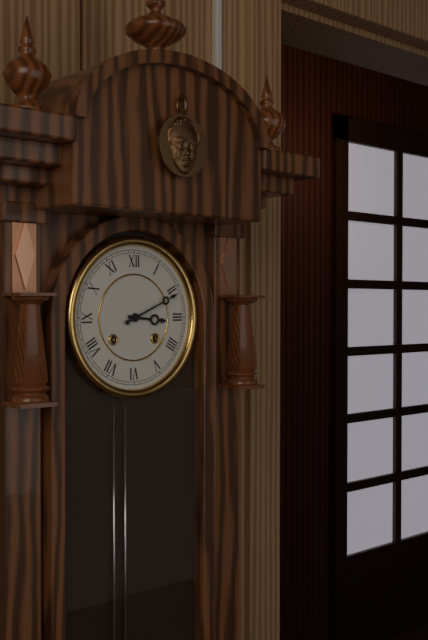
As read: {"hour": 3, "minute": 11}
